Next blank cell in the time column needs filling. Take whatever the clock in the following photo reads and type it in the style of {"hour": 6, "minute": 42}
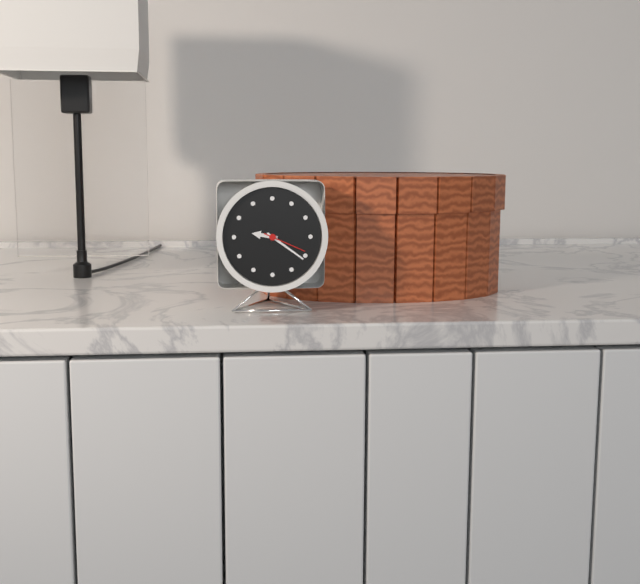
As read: {"hour": 9, "minute": 21}
